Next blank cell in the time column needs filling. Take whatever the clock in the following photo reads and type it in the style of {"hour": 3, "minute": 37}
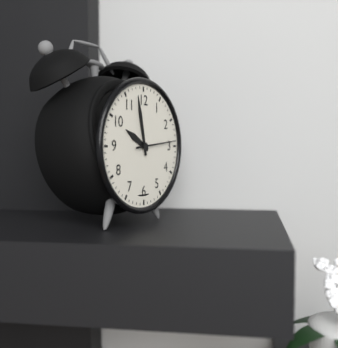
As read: {"hour": 9, "minute": 58}
